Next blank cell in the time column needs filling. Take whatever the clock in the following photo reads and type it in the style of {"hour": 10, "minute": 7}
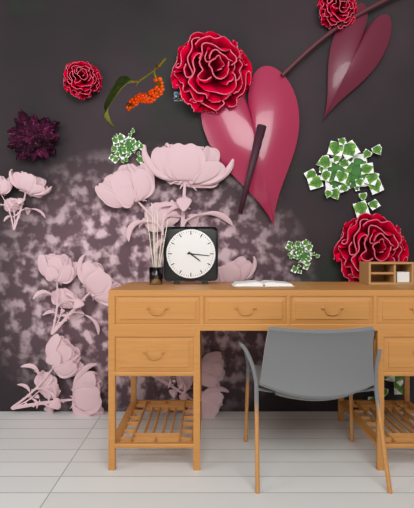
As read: {"hour": 4, "minute": 16}
